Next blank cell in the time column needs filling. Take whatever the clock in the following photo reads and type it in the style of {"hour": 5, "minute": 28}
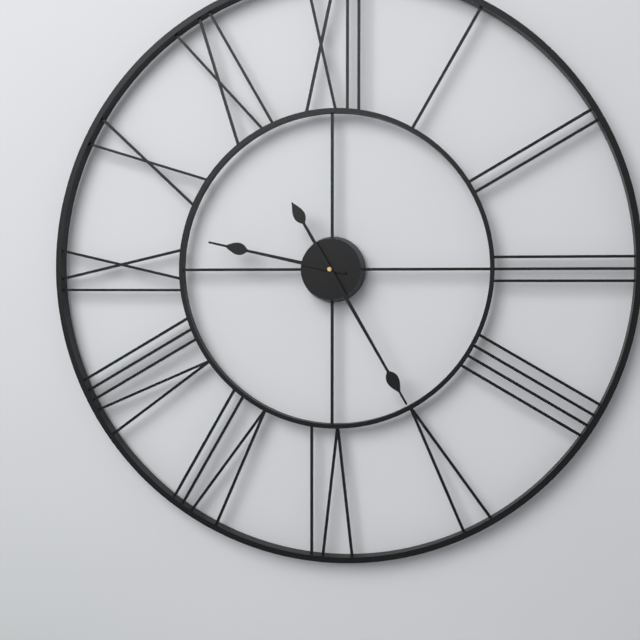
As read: {"hour": 9, "minute": 25}
